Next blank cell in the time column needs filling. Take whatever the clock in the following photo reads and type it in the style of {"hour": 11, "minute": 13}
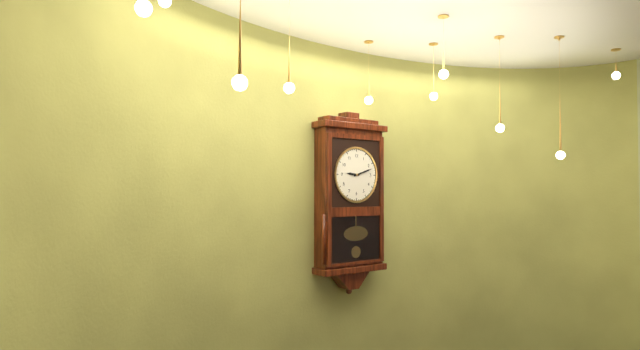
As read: {"hour": 9, "minute": 12}
